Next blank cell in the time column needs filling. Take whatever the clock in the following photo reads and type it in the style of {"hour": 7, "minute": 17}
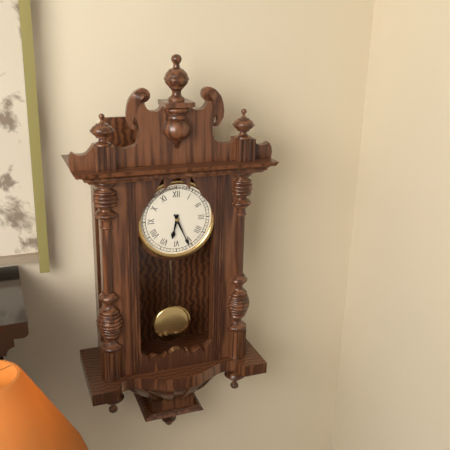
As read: {"hour": 6, "minute": 26}
